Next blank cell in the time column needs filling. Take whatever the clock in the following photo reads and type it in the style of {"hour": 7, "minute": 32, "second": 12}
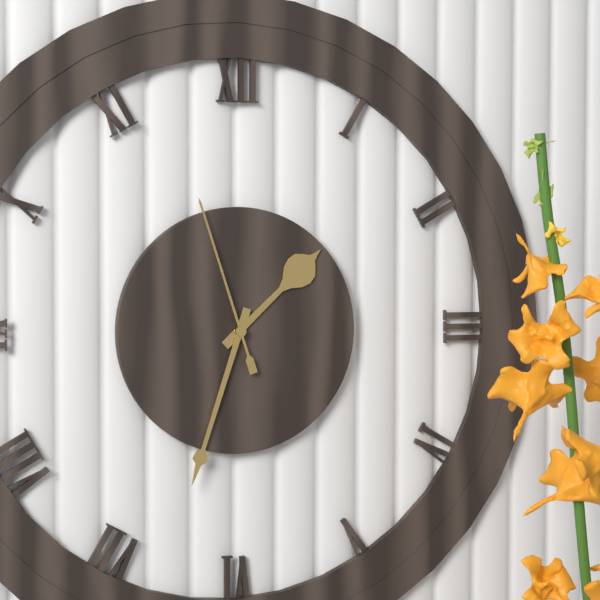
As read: {"hour": 1, "minute": 33, "second": 57}
